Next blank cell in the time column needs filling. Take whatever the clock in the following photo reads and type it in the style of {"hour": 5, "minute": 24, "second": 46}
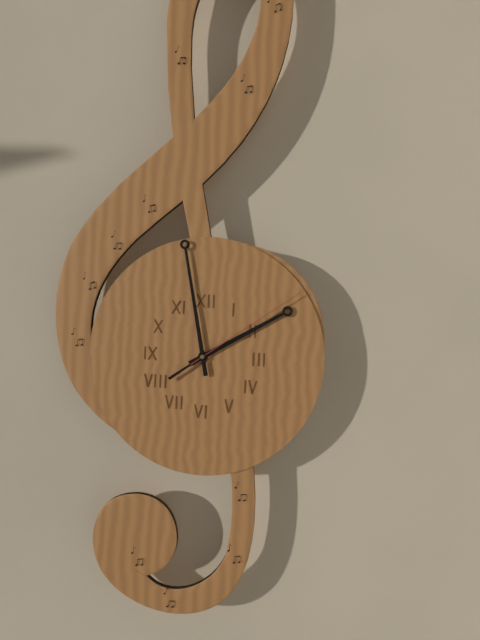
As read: {"hour": 1, "minute": 58, "second": 9}
